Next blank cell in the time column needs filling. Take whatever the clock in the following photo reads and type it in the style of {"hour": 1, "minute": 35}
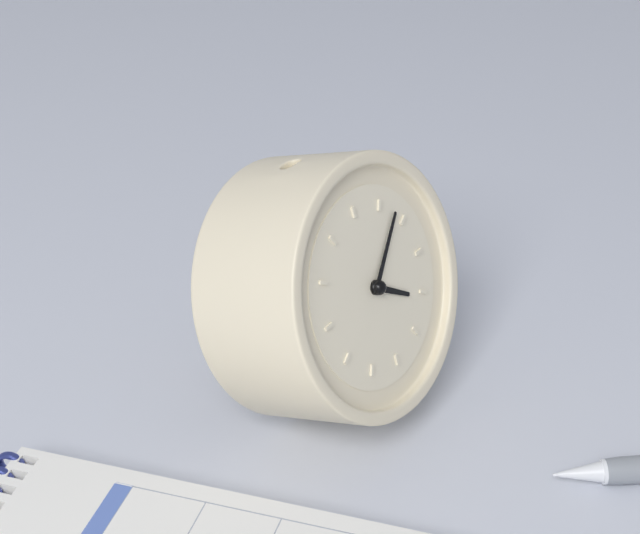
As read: {"hour": 4, "minute": 8}
